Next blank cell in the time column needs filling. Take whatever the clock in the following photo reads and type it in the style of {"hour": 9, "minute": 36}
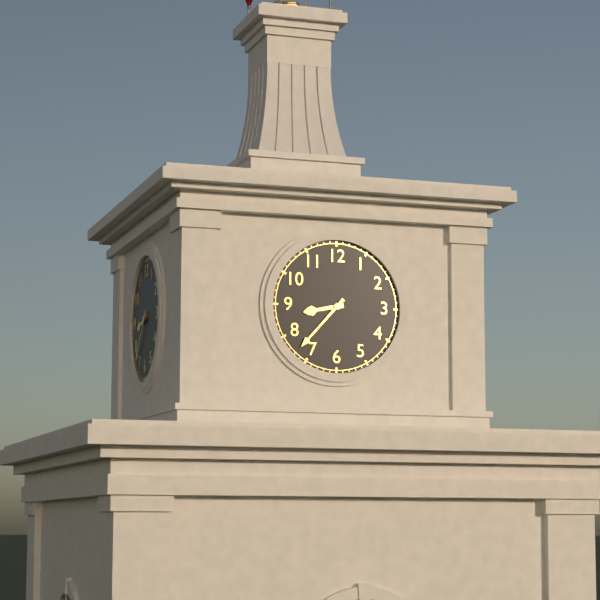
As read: {"hour": 8, "minute": 37}
